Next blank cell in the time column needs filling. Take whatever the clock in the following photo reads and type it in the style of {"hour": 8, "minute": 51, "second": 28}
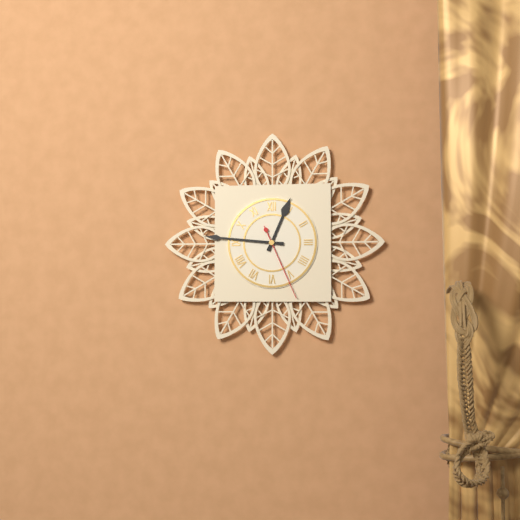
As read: {"hour": 12, "minute": 46, "second": 26}
